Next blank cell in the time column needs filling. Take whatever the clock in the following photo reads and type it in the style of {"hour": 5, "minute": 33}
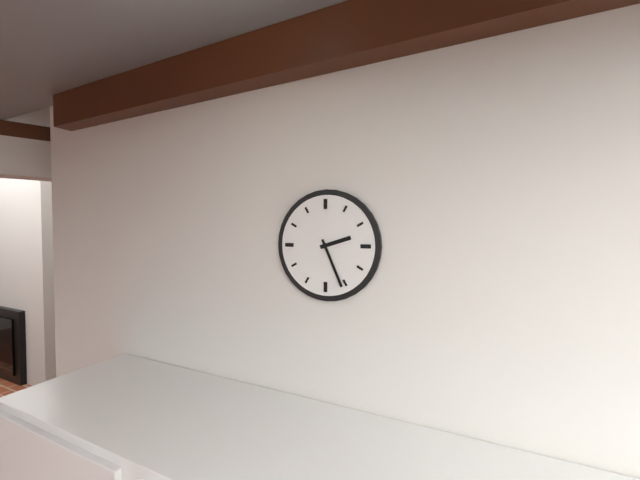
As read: {"hour": 2, "minute": 26}
